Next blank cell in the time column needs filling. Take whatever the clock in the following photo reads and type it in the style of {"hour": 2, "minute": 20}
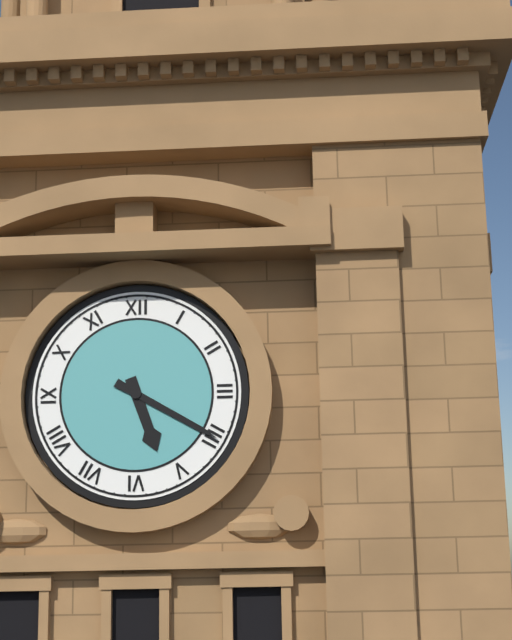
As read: {"hour": 5, "minute": 20}
